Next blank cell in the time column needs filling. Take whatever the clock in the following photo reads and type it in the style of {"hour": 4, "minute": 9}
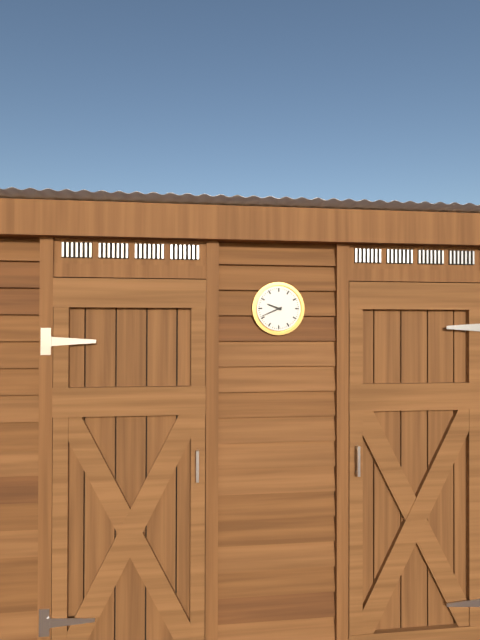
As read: {"hour": 9, "minute": 41}
